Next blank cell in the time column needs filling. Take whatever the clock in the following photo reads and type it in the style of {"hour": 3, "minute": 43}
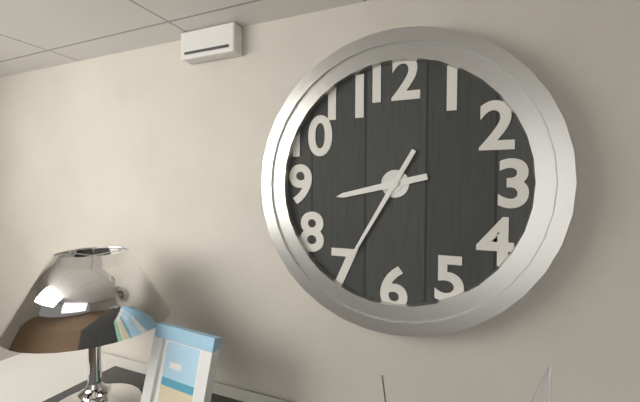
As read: {"hour": 8, "minute": 35}
